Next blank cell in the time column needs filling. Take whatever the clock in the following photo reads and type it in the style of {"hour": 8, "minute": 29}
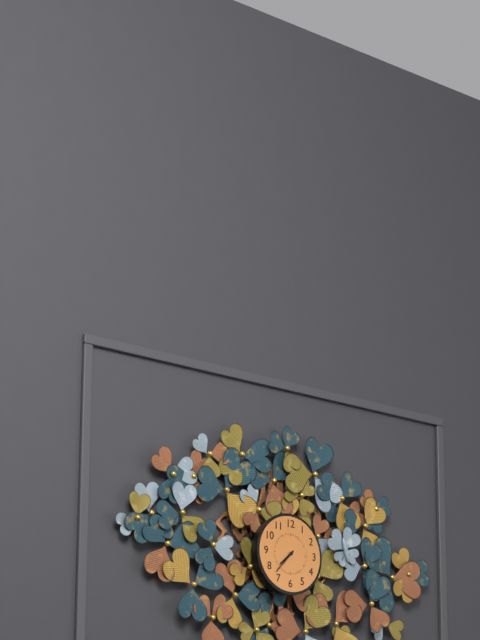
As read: {"hour": 7, "minute": 37}
